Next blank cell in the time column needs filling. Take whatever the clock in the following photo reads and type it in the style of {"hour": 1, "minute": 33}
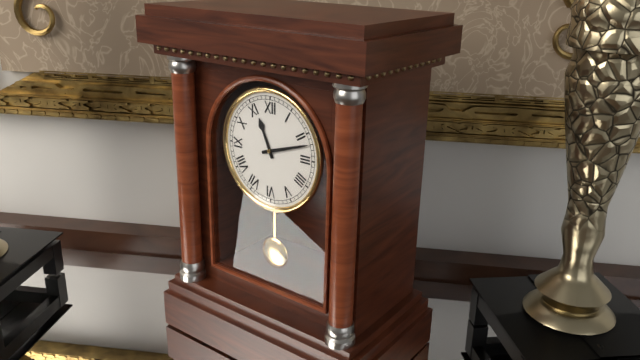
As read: {"hour": 11, "minute": 12}
